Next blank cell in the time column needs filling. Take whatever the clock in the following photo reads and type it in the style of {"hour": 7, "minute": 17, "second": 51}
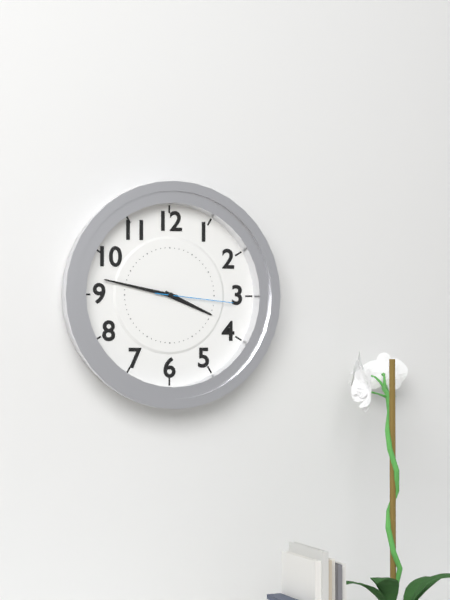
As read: {"hour": 3, "minute": 47, "second": 16}
